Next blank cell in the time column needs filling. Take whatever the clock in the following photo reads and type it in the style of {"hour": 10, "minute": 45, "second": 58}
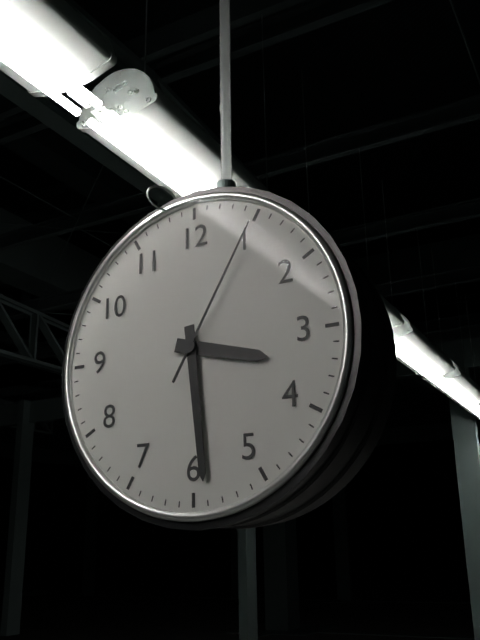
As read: {"hour": 3, "minute": 29, "second": 5}
